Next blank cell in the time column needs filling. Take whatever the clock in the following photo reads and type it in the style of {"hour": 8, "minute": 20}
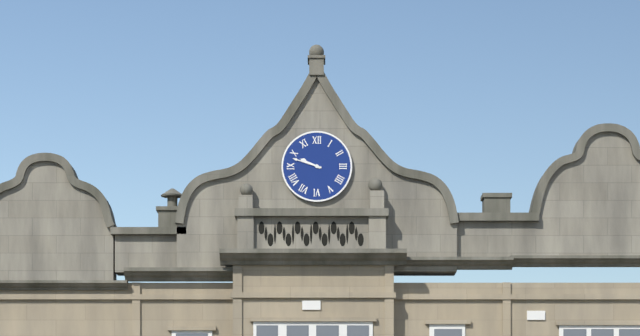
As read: {"hour": 9, "minute": 48}
